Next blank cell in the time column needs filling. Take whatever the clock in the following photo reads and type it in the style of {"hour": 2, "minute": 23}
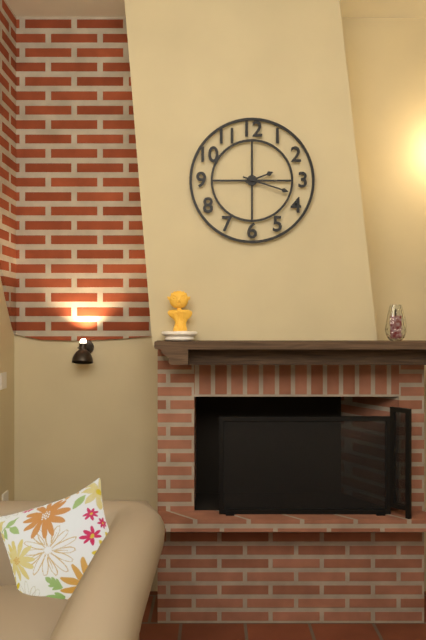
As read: {"hour": 2, "minute": 18}
